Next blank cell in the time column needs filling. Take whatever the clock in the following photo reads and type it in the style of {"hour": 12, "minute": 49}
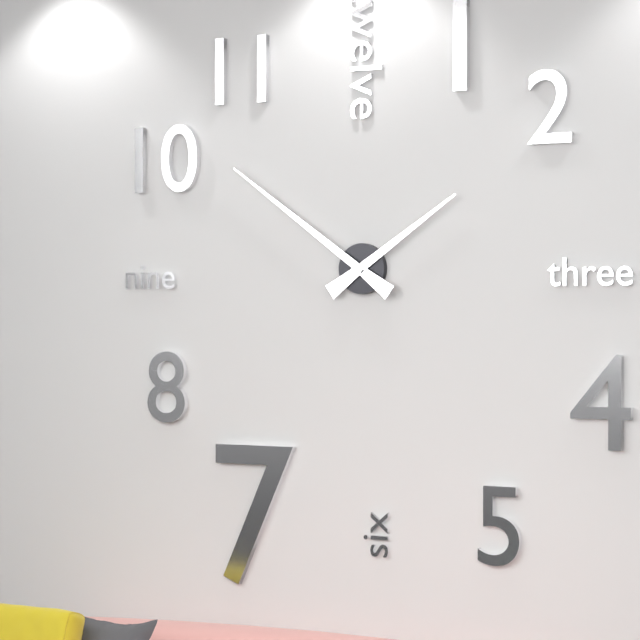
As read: {"hour": 1, "minute": 51}
